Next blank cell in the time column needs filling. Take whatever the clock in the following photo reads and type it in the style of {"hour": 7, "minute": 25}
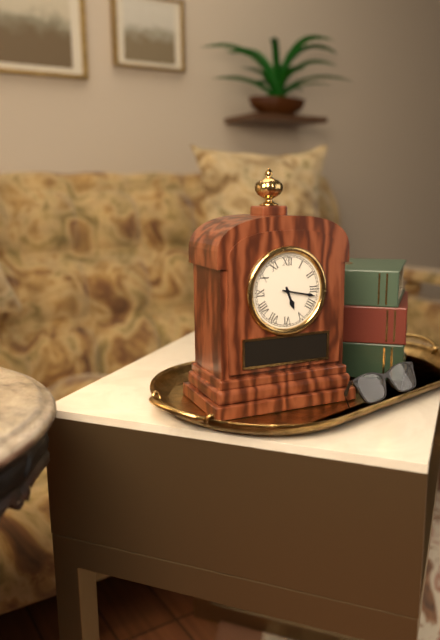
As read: {"hour": 5, "minute": 17}
